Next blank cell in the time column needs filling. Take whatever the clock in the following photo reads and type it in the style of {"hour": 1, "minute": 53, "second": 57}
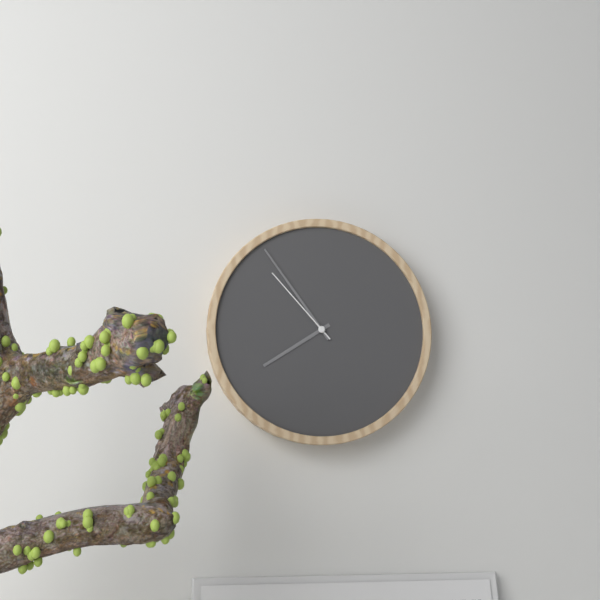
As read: {"hour": 7, "minute": 54, "second": 53}
